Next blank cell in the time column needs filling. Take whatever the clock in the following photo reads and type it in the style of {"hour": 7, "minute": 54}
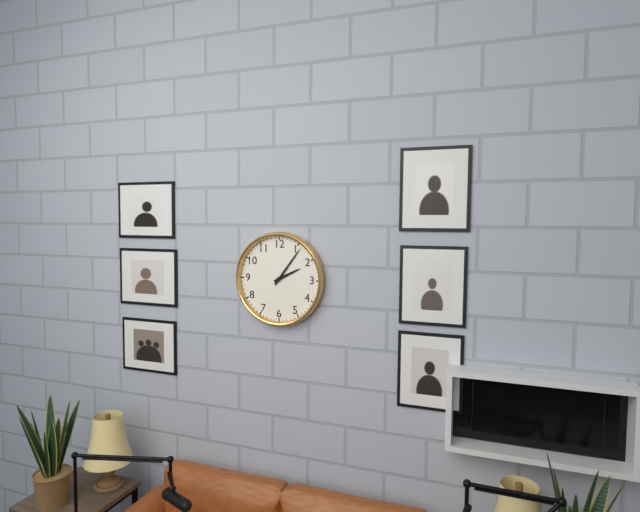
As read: {"hour": 2, "minute": 6}
